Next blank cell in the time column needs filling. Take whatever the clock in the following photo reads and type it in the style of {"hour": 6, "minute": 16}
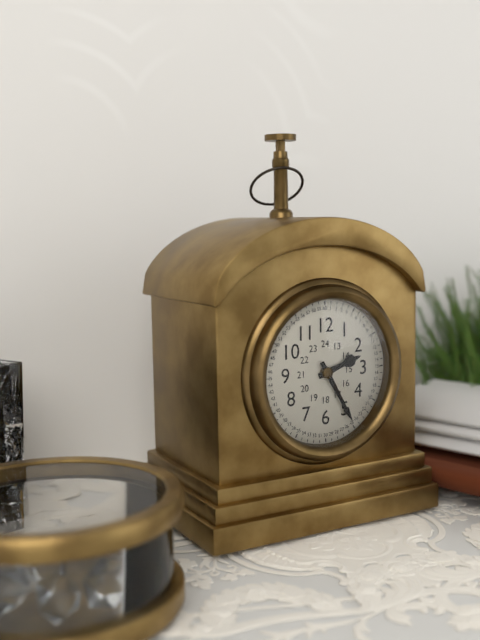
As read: {"hour": 2, "minute": 25}
